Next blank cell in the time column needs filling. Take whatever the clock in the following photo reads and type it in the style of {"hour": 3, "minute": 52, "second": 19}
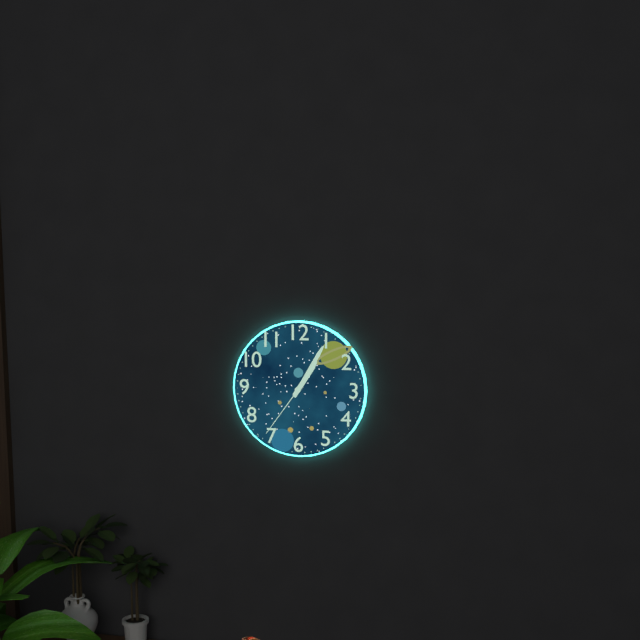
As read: {"hour": 1, "minute": 5, "second": 36}
